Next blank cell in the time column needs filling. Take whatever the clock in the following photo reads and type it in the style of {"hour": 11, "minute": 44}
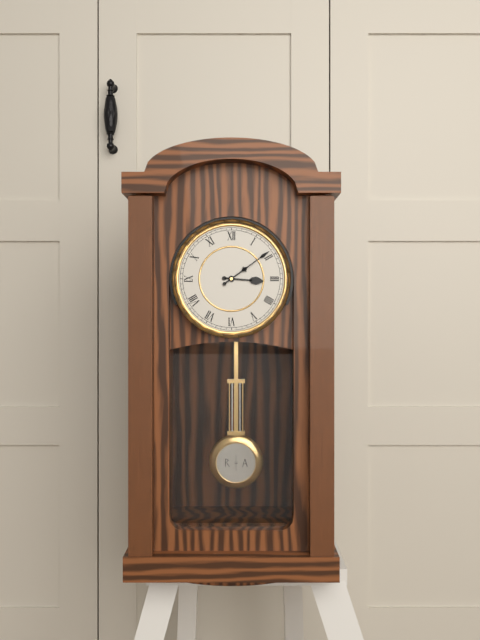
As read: {"hour": 3, "minute": 9}
